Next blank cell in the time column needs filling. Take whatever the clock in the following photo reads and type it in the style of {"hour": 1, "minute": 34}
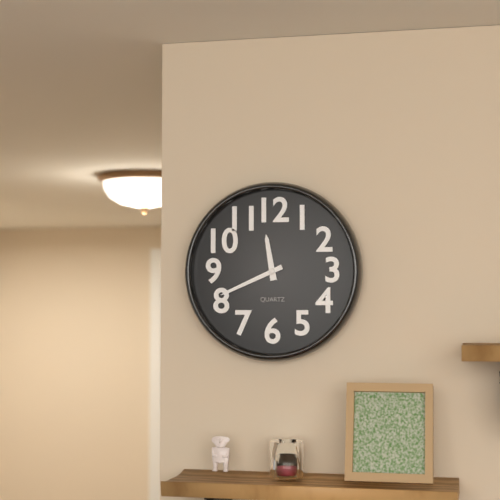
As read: {"hour": 11, "minute": 41}
